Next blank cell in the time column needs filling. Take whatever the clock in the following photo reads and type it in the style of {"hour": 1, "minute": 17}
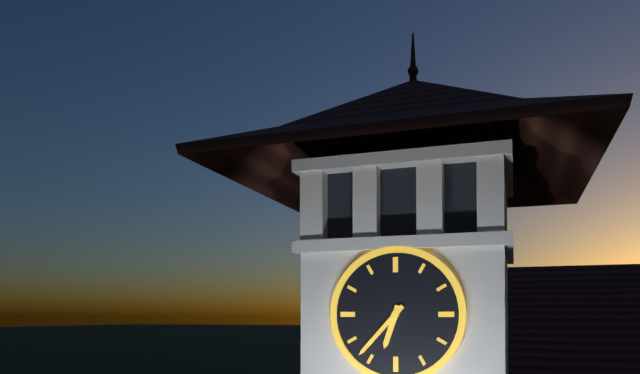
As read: {"hour": 6, "minute": 37}
